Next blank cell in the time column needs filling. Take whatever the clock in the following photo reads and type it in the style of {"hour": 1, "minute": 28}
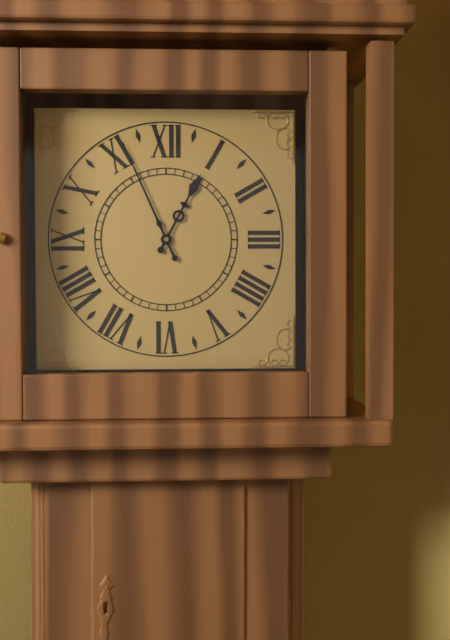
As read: {"hour": 12, "minute": 56}
